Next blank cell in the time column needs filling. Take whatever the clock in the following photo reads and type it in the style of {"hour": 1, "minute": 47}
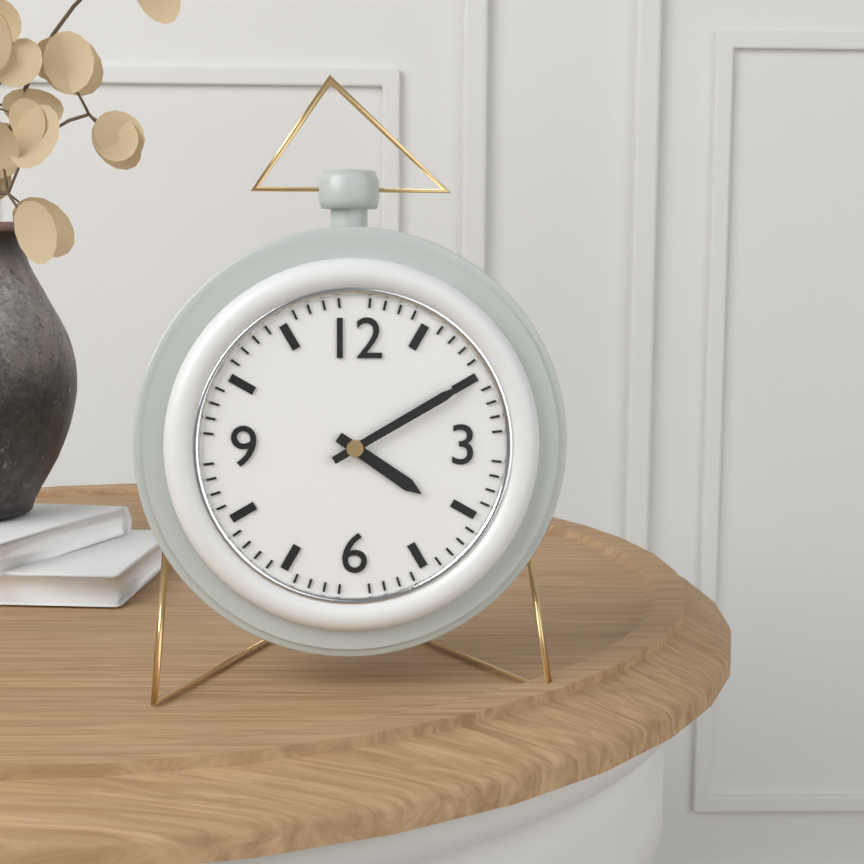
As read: {"hour": 4, "minute": 10}
